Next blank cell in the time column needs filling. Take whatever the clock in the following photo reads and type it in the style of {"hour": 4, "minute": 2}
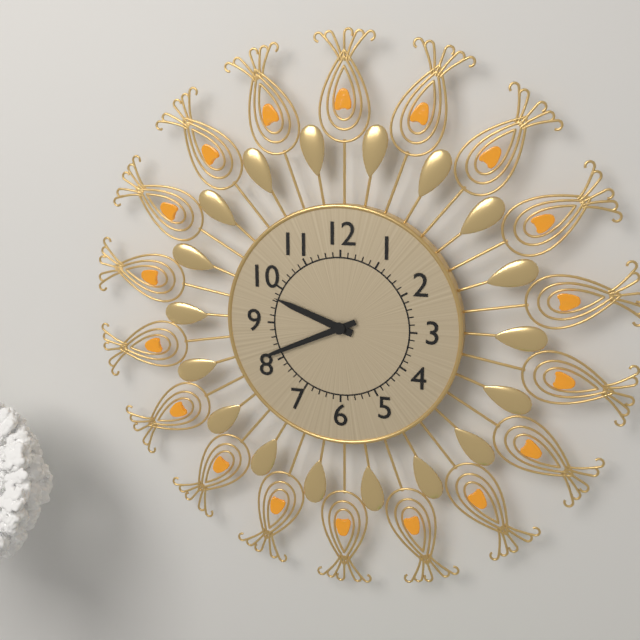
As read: {"hour": 9, "minute": 41}
